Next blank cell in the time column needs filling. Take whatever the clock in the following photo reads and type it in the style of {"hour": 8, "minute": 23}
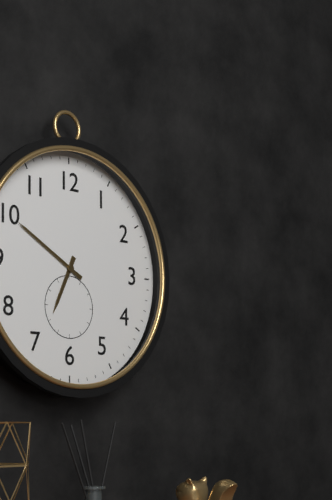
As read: {"hour": 6, "minute": 50}
